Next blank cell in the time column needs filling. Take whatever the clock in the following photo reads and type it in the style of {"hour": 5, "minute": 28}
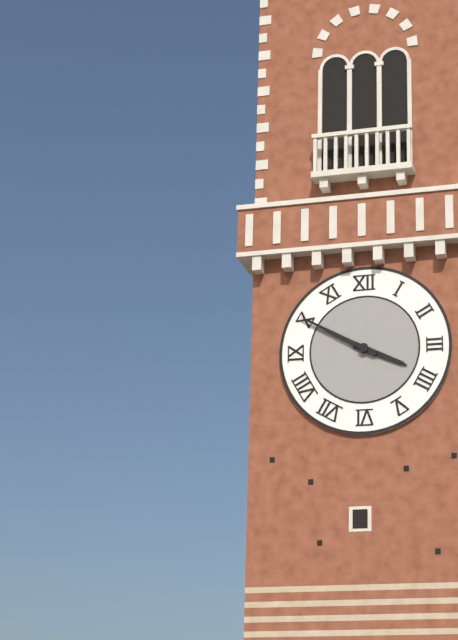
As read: {"hour": 3, "minute": 50}
